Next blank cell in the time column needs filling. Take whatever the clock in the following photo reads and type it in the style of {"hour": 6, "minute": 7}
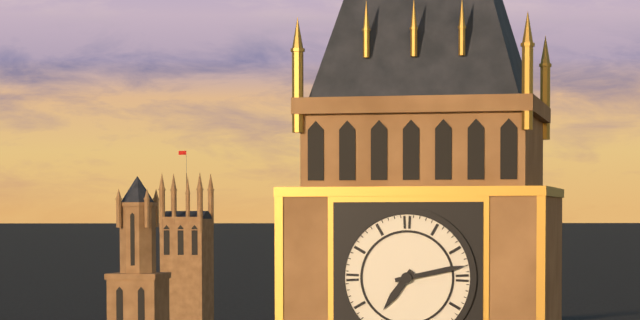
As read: {"hour": 7, "minute": 13}
